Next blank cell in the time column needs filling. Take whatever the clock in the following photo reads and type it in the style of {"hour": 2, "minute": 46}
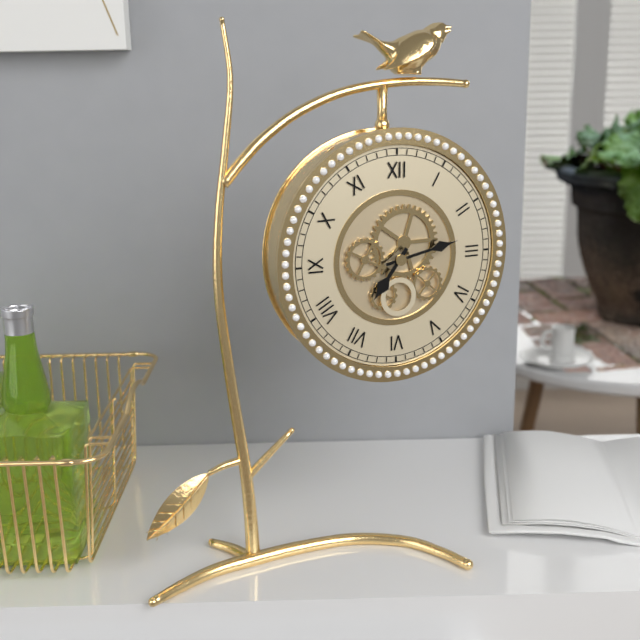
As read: {"hour": 7, "minute": 13}
